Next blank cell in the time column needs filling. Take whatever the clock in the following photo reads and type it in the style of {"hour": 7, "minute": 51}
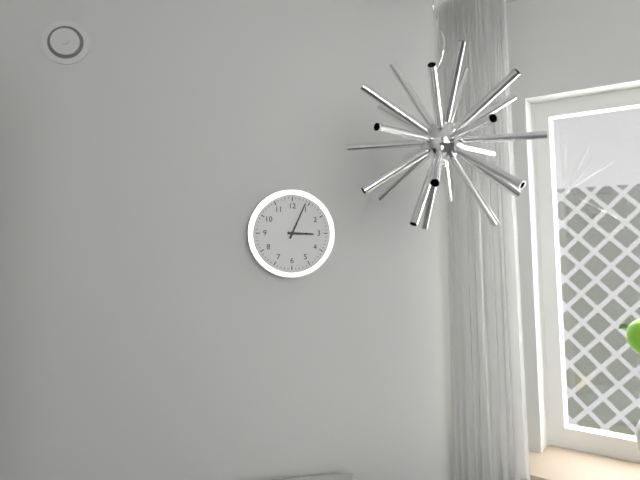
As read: {"hour": 3, "minute": 4}
